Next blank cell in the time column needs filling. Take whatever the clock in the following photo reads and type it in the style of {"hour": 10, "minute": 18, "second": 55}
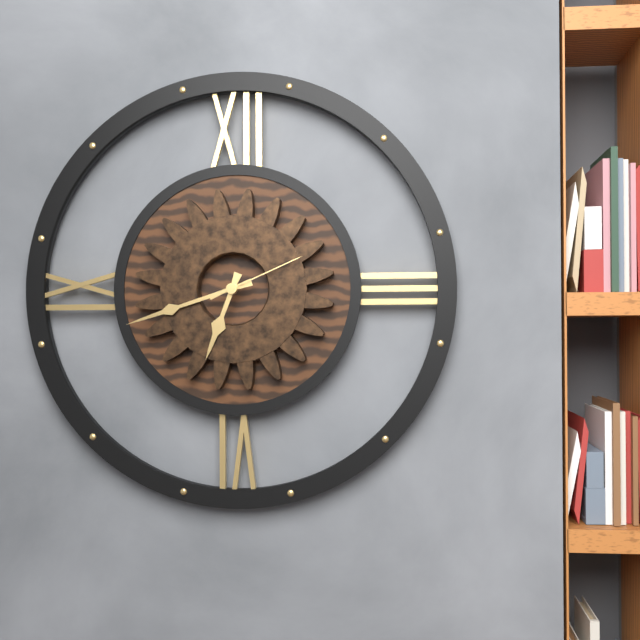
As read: {"hour": 6, "minute": 42, "second": 11}
